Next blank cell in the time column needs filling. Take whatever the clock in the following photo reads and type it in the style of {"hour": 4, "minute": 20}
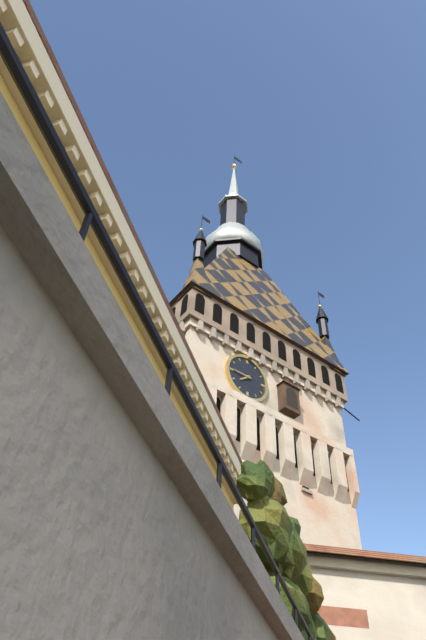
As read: {"hour": 7, "minute": 45}
